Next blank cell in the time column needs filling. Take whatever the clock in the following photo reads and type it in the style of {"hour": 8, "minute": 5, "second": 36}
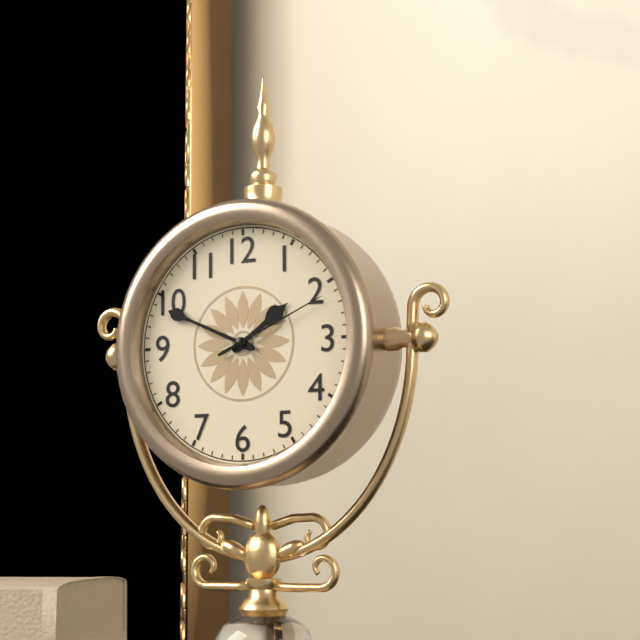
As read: {"hour": 1, "minute": 49, "second": 11}
